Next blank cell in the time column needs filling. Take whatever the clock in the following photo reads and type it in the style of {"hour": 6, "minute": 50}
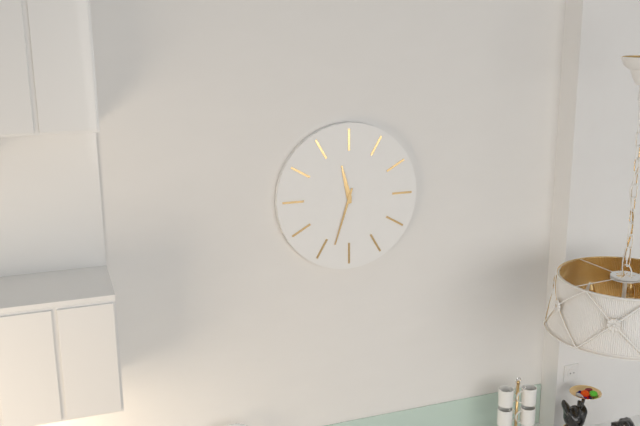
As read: {"hour": 11, "minute": 33}
